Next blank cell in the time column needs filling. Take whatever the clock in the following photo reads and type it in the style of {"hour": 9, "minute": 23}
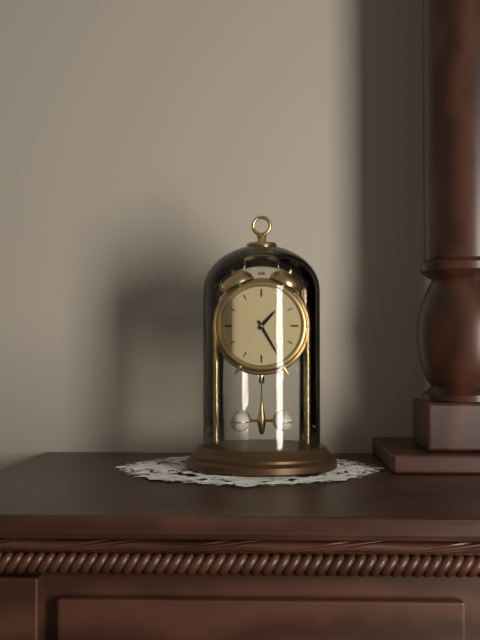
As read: {"hour": 1, "minute": 25}
